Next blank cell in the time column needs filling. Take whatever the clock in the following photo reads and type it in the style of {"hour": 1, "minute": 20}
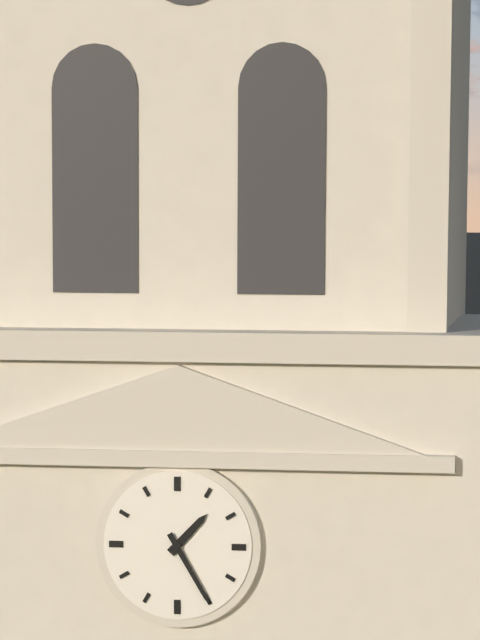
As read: {"hour": 1, "minute": 25}
